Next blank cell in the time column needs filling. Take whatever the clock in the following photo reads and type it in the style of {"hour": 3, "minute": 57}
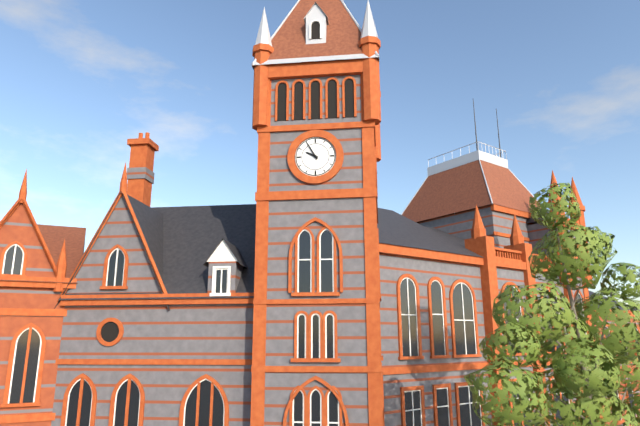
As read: {"hour": 9, "minute": 55}
